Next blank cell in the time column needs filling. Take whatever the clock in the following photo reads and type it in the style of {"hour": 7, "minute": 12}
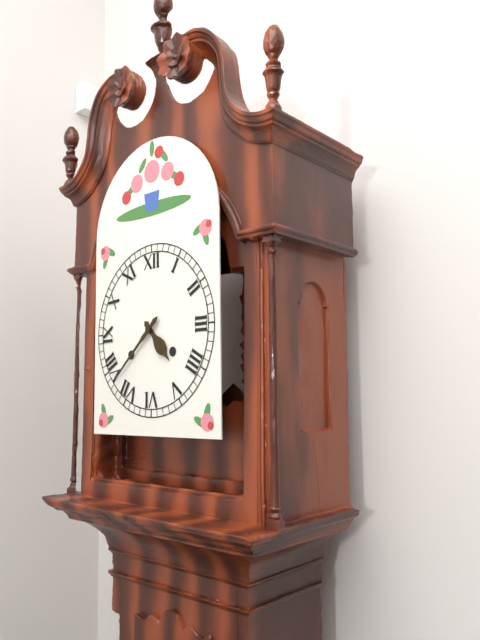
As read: {"hour": 4, "minute": 38}
